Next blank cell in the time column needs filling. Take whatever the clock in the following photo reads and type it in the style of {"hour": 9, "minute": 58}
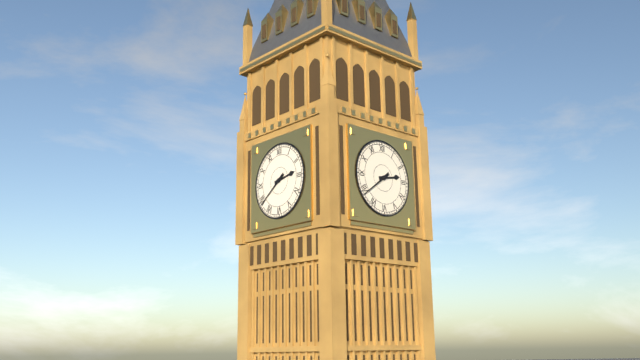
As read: {"hour": 2, "minute": 39}
